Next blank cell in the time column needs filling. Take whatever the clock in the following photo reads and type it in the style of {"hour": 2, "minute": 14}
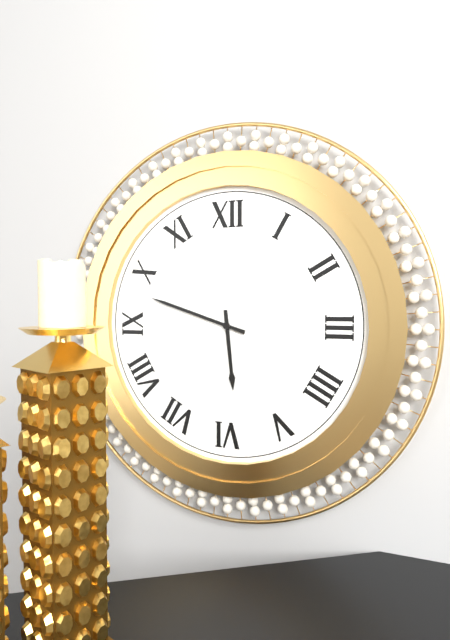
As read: {"hour": 5, "minute": 48}
